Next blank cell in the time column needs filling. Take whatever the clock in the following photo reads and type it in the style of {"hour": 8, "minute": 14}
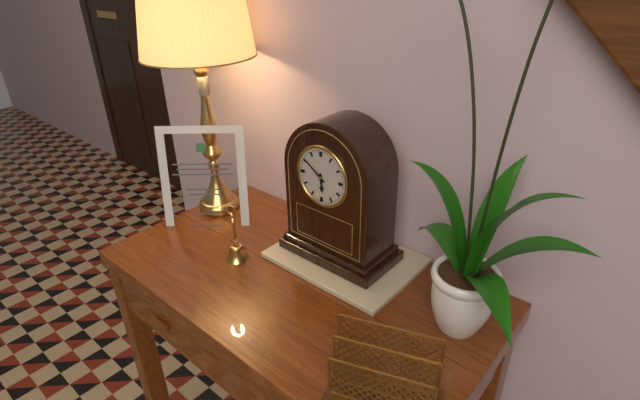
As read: {"hour": 5, "minute": 51}
